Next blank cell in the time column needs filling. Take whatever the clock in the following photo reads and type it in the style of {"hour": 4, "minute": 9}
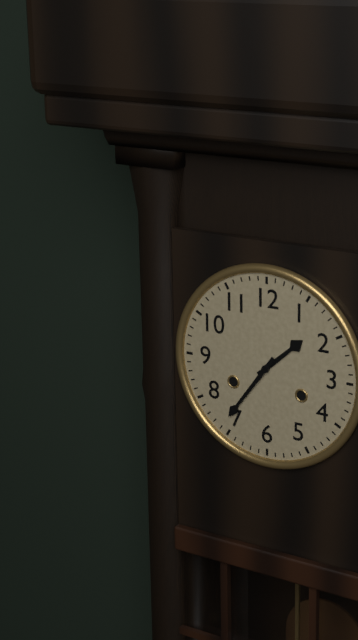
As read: {"hour": 1, "minute": 36}
